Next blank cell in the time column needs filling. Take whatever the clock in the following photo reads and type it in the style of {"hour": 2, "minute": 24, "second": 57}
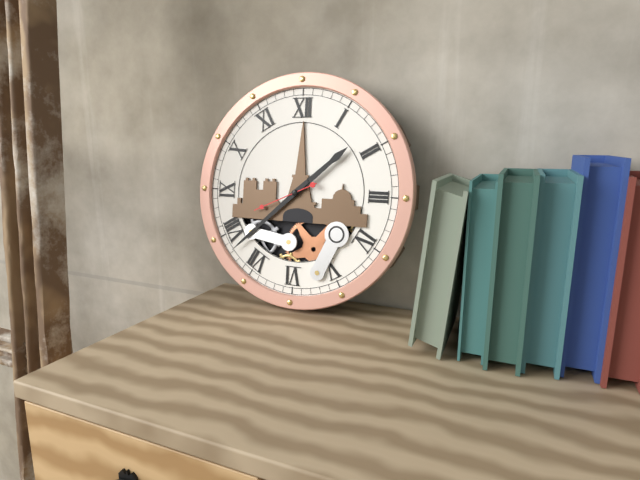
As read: {"hour": 1, "minute": 38, "second": 41}
